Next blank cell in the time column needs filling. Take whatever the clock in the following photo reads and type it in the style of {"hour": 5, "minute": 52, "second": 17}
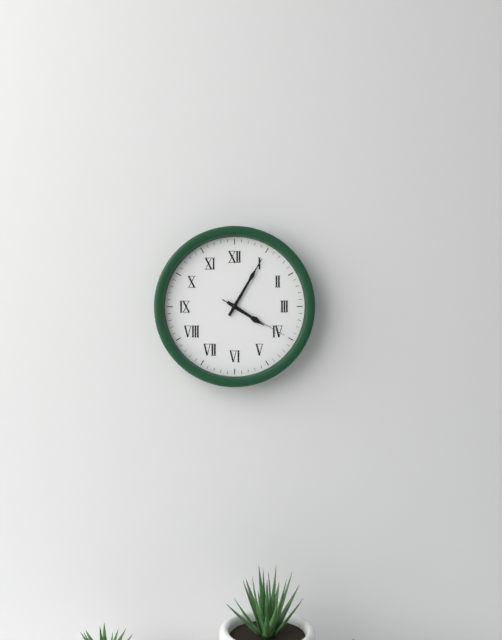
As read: {"hour": 4, "minute": 5, "second": 20}
